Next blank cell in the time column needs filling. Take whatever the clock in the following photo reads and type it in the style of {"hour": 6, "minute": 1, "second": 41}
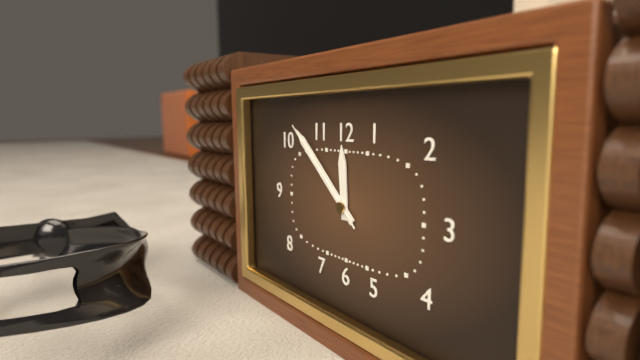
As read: {"hour": 11, "minute": 52, "second": 52}
